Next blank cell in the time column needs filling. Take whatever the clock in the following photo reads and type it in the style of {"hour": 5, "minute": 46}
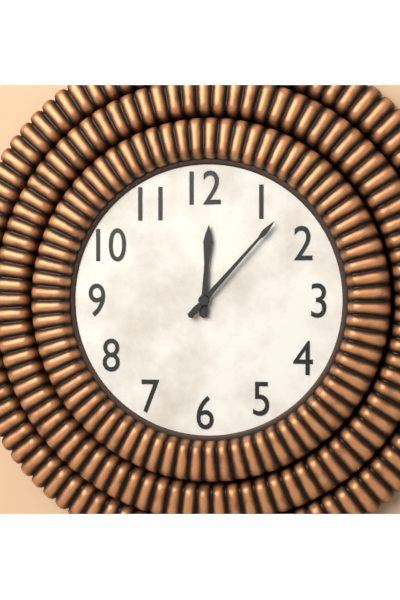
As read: {"hour": 12, "minute": 7}
